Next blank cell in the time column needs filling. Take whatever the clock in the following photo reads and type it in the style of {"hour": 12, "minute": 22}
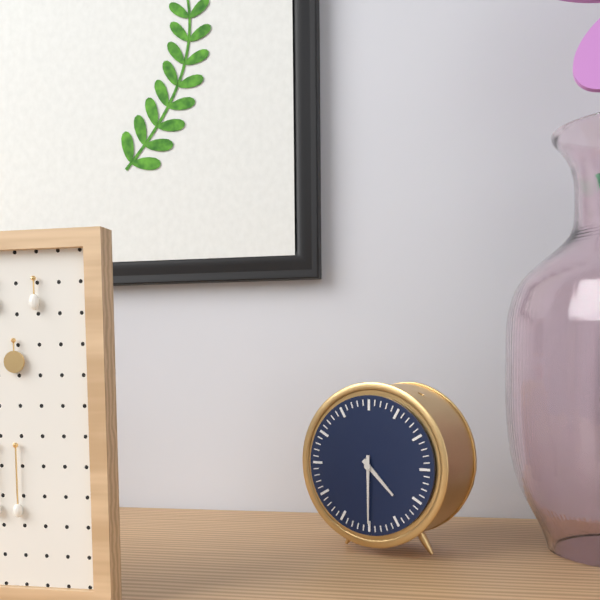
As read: {"hour": 4, "minute": 30}
